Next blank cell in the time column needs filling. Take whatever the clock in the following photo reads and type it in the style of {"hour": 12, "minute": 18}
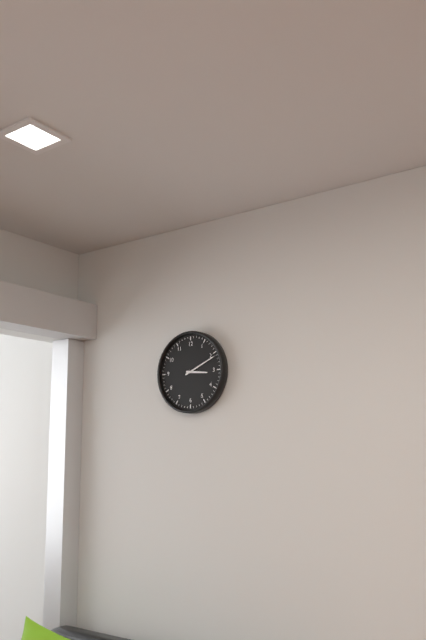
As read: {"hour": 3, "minute": 11}
